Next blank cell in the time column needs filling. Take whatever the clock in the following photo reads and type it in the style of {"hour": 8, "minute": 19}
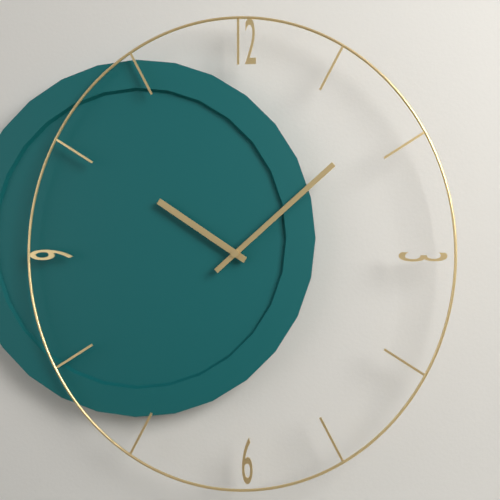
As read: {"hour": 10, "minute": 8}
